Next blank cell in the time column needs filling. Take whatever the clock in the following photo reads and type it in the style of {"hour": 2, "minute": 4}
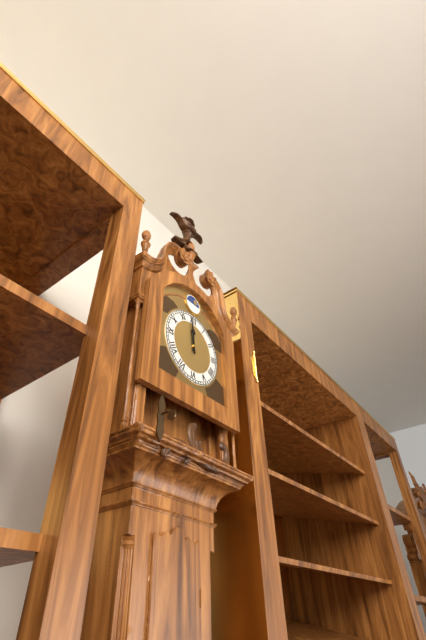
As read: {"hour": 11, "minute": 59}
